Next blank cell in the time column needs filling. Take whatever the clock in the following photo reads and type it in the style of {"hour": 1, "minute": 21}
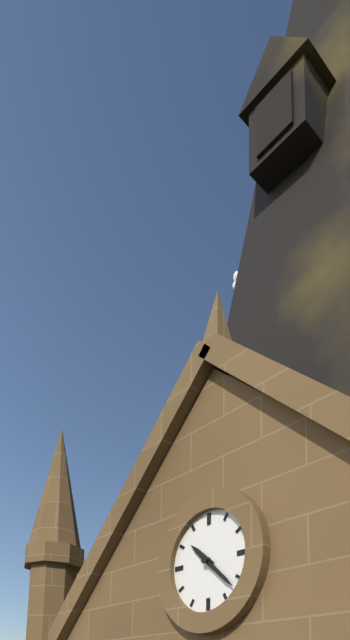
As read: {"hour": 10, "minute": 22}
